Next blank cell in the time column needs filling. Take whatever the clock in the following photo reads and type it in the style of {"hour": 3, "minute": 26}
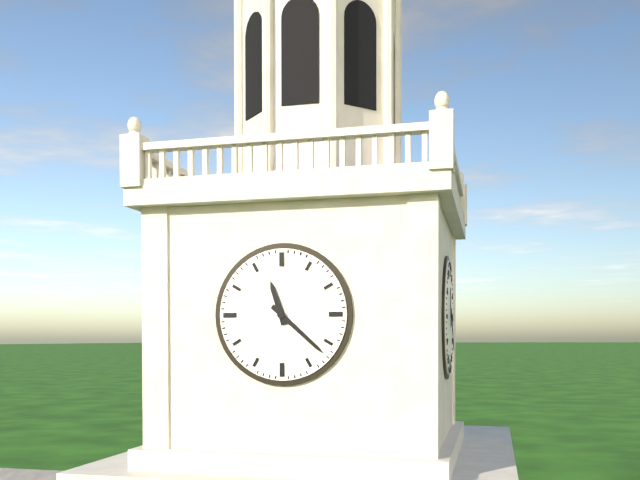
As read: {"hour": 11, "minute": 22}
